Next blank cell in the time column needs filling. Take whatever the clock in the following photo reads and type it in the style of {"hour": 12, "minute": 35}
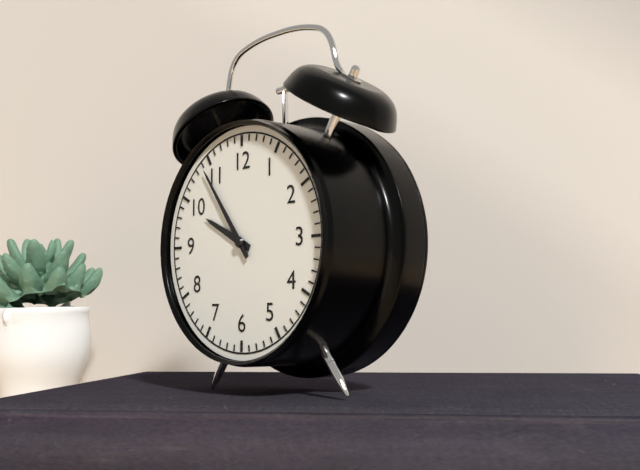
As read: {"hour": 9, "minute": 54}
